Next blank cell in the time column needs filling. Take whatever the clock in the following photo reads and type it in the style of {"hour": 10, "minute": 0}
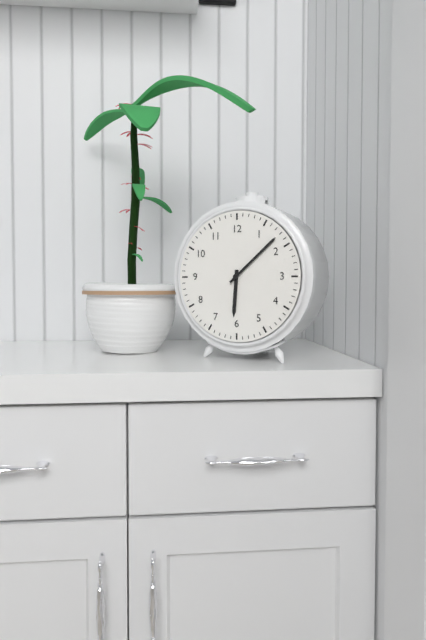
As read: {"hour": 6, "minute": 8}
